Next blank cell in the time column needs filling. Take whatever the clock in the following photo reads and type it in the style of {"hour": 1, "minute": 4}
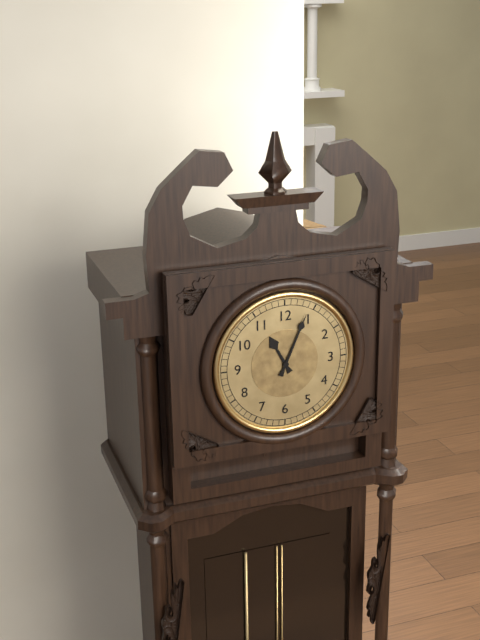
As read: {"hour": 11, "minute": 4}
